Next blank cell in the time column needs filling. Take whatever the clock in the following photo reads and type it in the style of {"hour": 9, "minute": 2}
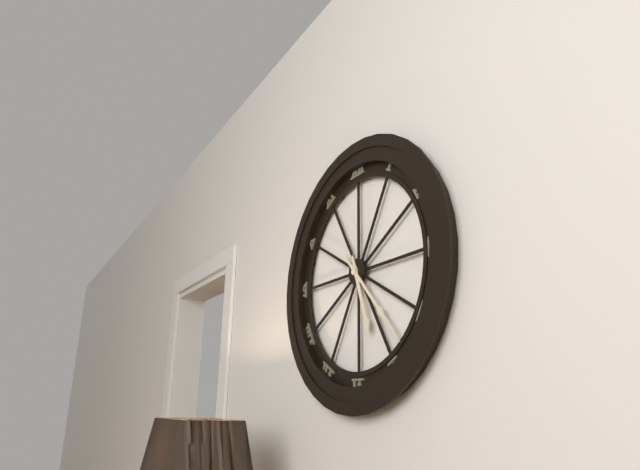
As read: {"hour": 5, "minute": 23}
